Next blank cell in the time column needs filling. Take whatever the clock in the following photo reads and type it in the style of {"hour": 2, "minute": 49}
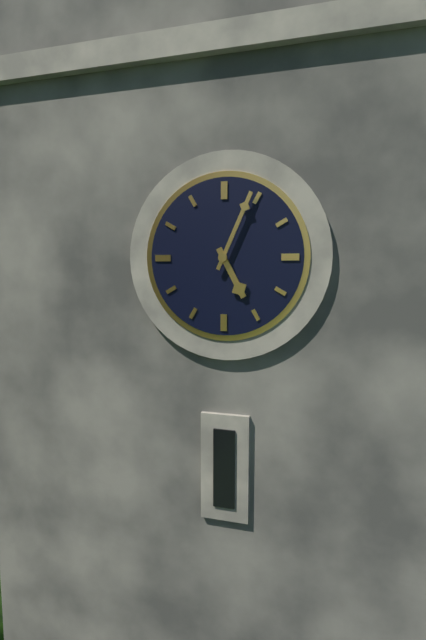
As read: {"hour": 5, "minute": 4}
